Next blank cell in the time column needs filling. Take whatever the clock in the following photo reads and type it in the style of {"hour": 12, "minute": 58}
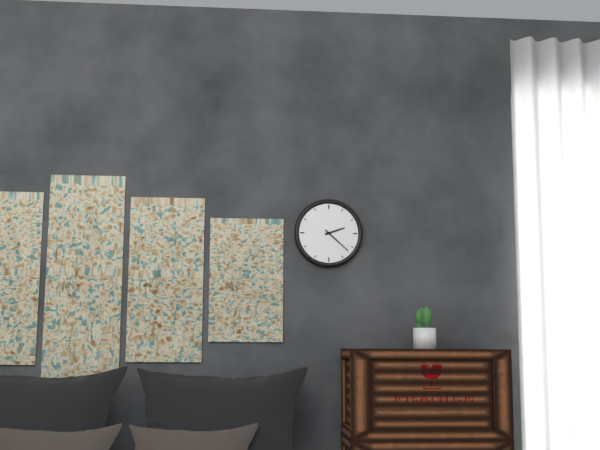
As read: {"hour": 2, "minute": 22}
